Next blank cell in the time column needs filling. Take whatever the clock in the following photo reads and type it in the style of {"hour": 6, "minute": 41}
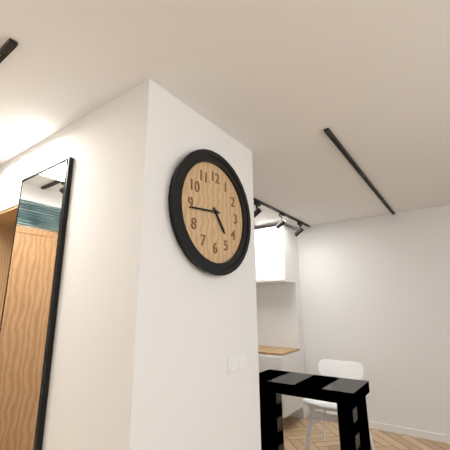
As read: {"hour": 4, "minute": 44}
